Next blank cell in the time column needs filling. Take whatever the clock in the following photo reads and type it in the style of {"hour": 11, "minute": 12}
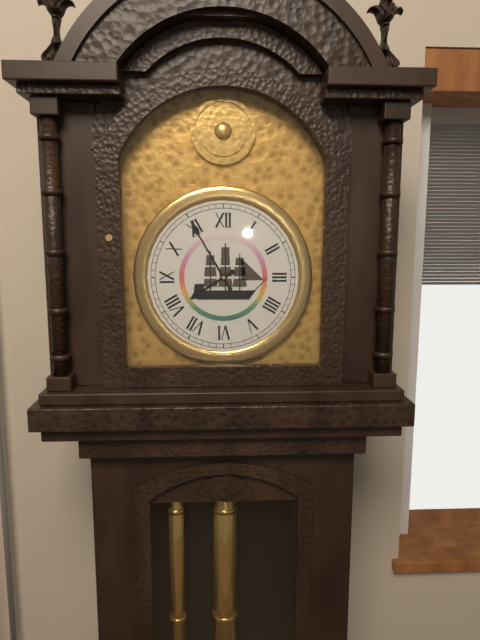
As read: {"hour": 7, "minute": 55}
